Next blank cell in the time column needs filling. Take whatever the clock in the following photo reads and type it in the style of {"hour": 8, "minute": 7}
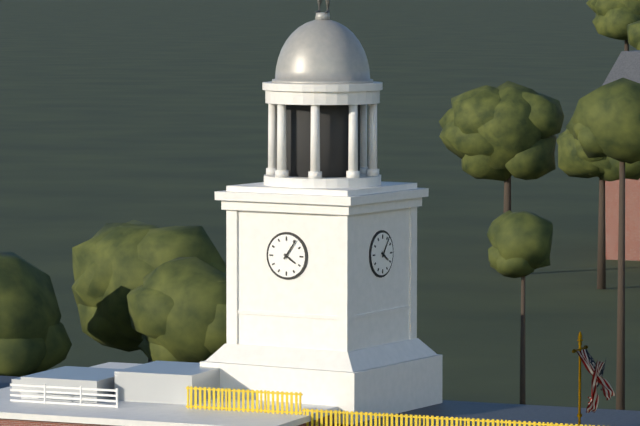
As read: {"hour": 4, "minute": 6}
